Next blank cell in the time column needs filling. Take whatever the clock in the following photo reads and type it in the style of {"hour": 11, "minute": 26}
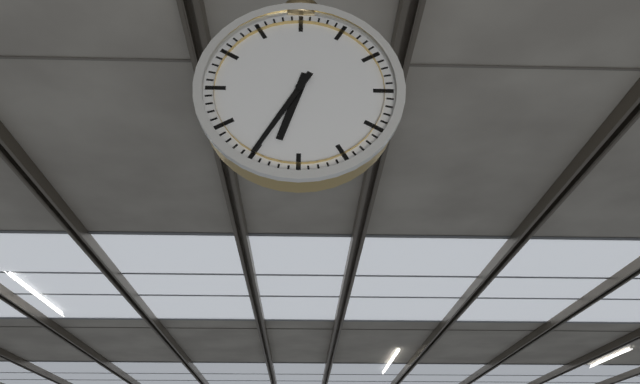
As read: {"hour": 6, "minute": 35}
